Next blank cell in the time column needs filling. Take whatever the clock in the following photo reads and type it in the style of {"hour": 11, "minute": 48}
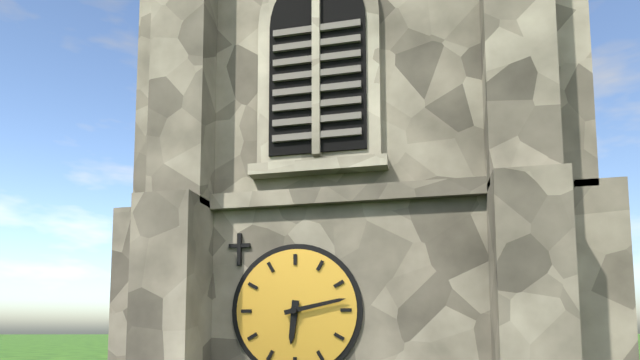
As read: {"hour": 6, "minute": 13}
